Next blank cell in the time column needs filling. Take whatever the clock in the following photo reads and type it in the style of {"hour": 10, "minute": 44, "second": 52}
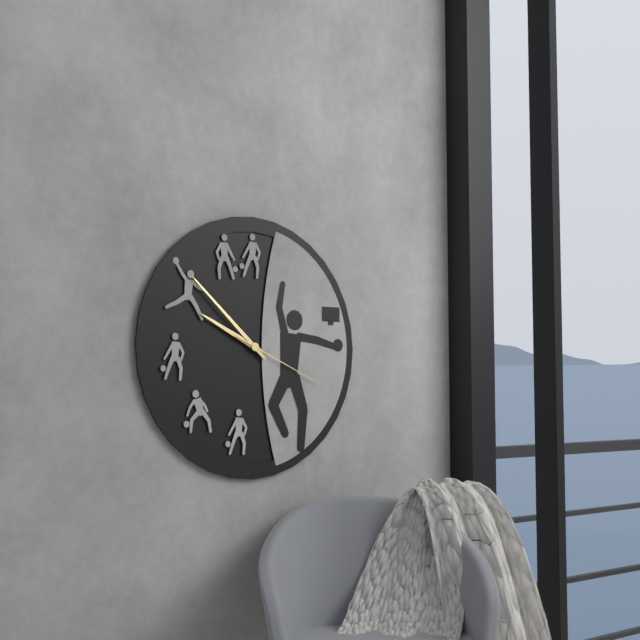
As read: {"hour": 9, "minute": 52, "second": 19}
